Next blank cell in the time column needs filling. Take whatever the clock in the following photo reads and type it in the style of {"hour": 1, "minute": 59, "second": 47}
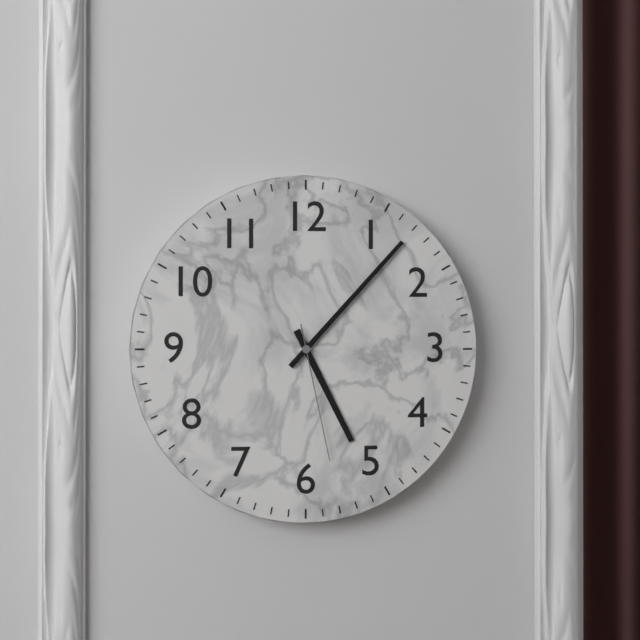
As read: {"hour": 5, "minute": 7, "second": 28}
